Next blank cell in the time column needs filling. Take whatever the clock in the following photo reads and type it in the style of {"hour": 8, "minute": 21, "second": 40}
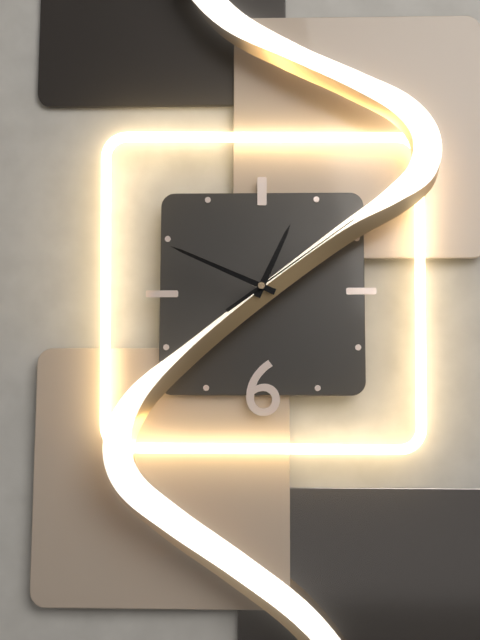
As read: {"hour": 12, "minute": 49, "second": 9}
